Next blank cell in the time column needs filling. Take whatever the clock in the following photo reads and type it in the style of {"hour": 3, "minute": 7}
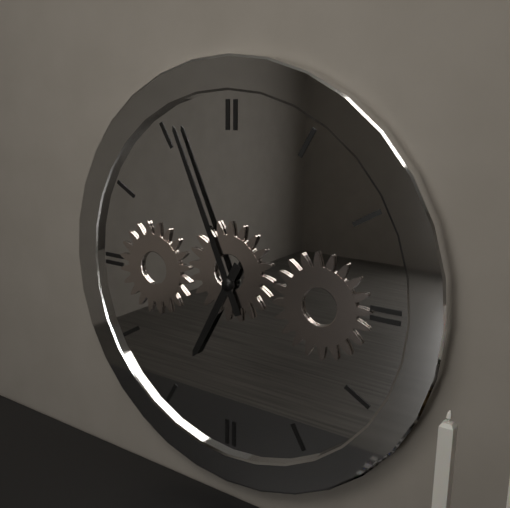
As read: {"hour": 6, "minute": 56}
